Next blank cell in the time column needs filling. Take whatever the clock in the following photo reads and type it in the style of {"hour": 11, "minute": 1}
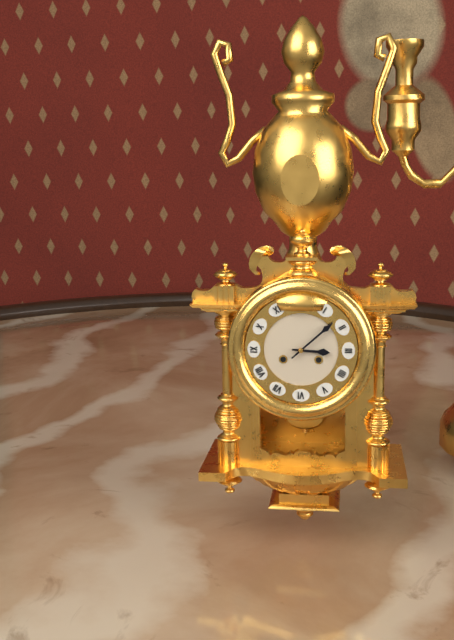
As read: {"hour": 3, "minute": 8}
